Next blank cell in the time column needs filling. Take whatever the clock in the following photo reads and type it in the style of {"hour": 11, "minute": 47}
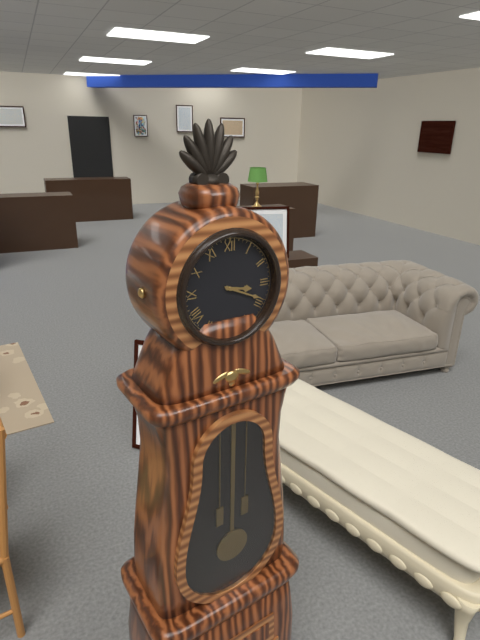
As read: {"hour": 3, "minute": 19}
